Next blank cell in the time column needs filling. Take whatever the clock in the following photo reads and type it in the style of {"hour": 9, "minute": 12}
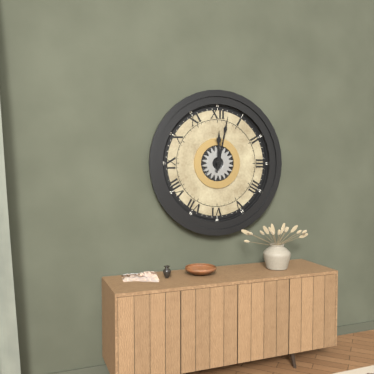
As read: {"hour": 12, "minute": 2}
